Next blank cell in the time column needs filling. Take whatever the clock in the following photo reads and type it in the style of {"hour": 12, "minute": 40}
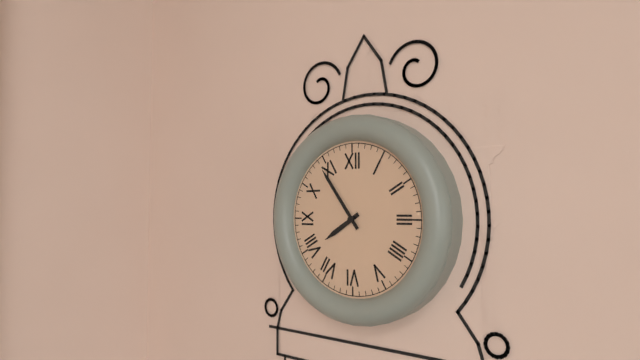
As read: {"hour": 7, "minute": 54}
